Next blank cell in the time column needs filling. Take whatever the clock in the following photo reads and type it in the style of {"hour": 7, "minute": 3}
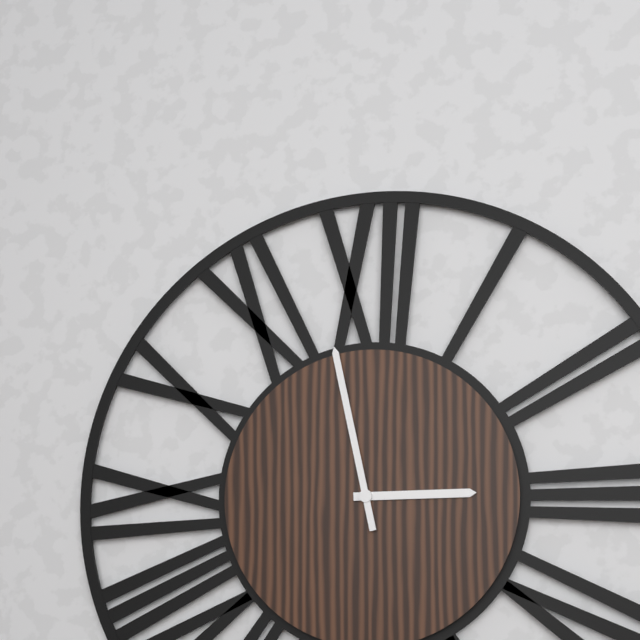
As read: {"hour": 2, "minute": 58}
